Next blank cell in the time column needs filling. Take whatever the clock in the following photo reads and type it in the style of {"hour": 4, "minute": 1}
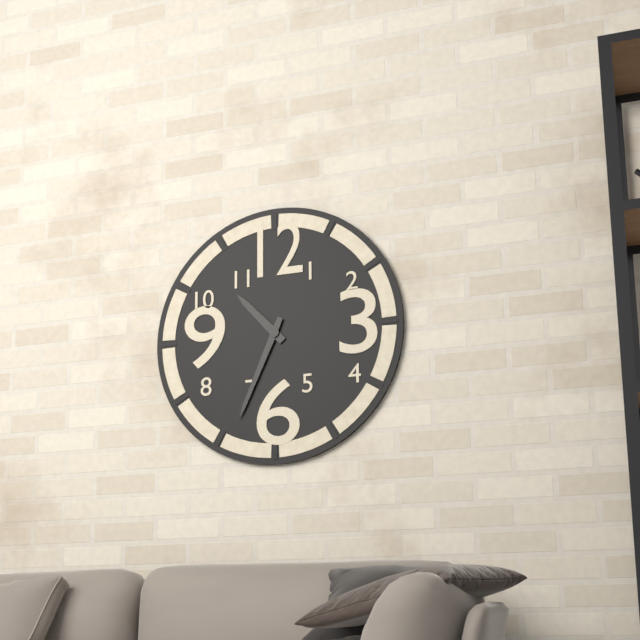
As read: {"hour": 10, "minute": 34}
